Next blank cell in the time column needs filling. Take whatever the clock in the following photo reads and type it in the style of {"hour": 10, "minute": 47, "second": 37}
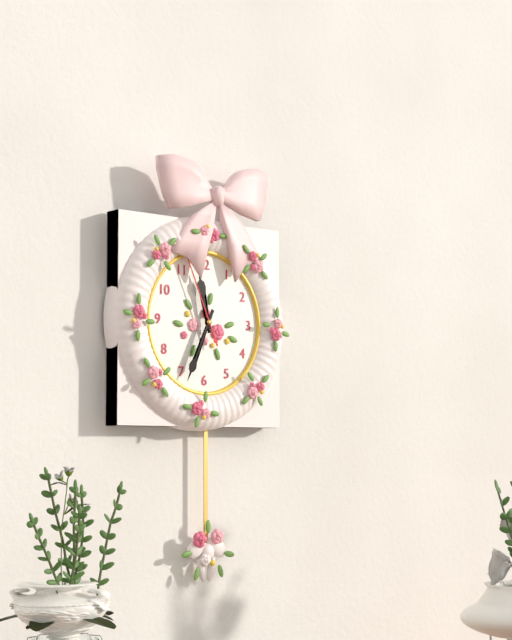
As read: {"hour": 11, "minute": 34, "second": 56}
